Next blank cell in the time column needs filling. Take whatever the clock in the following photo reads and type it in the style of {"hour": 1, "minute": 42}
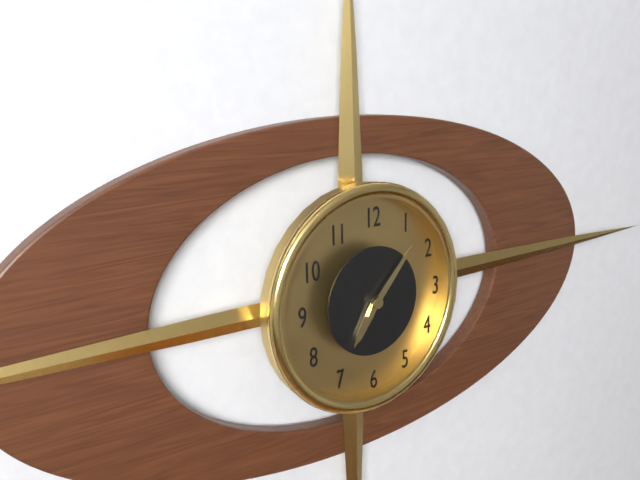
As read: {"hour": 7, "minute": 7}
